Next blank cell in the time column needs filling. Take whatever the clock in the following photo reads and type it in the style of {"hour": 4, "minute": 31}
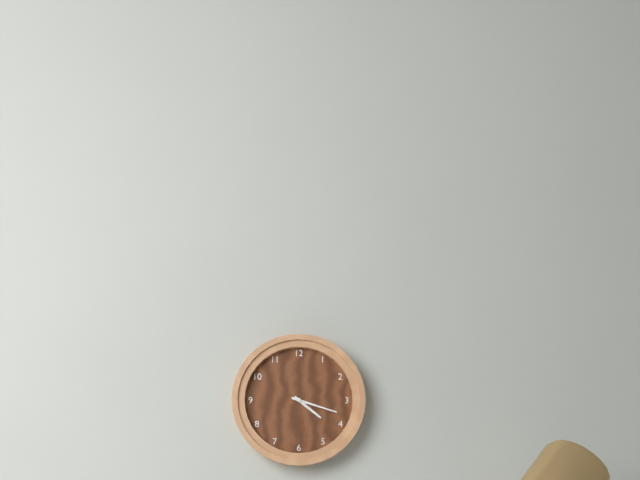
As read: {"hour": 4, "minute": 18}
